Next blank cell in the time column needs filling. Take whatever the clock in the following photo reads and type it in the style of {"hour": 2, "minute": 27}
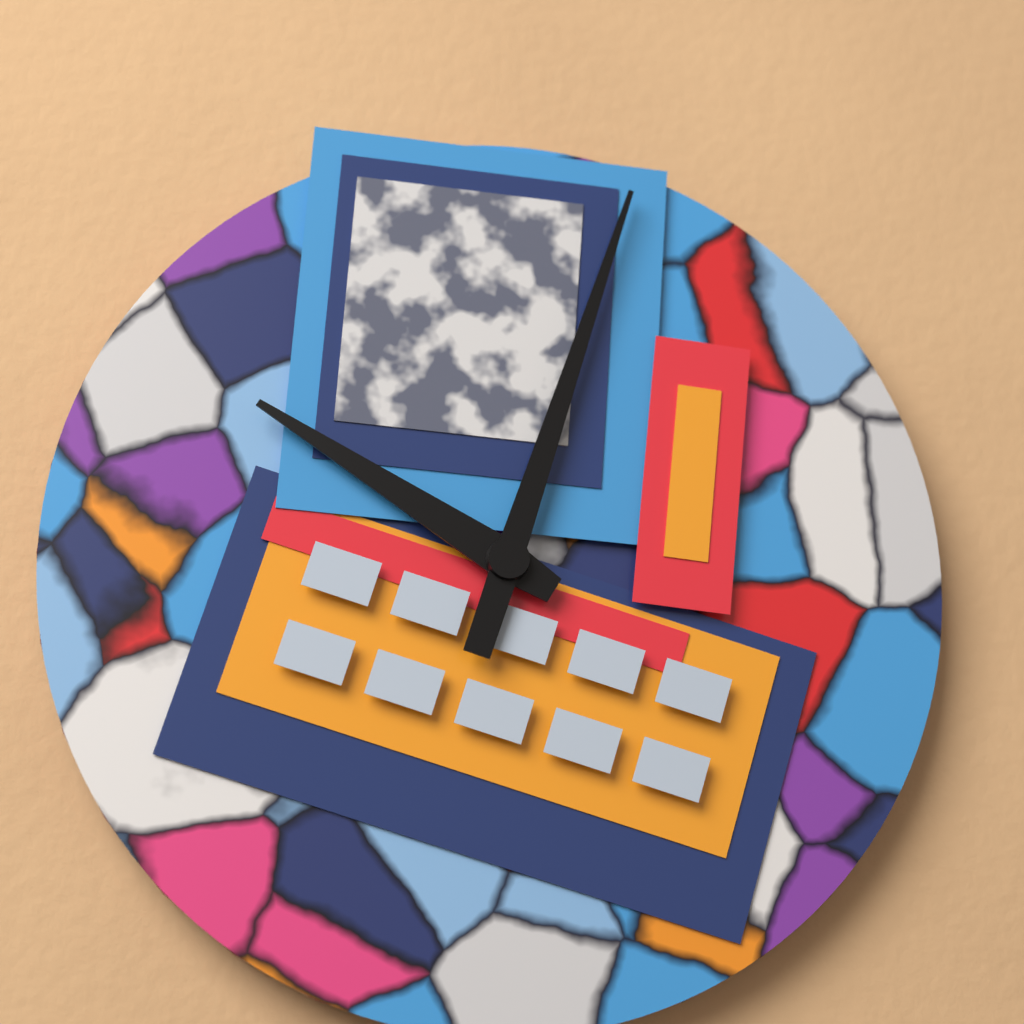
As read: {"hour": 10, "minute": 3}
